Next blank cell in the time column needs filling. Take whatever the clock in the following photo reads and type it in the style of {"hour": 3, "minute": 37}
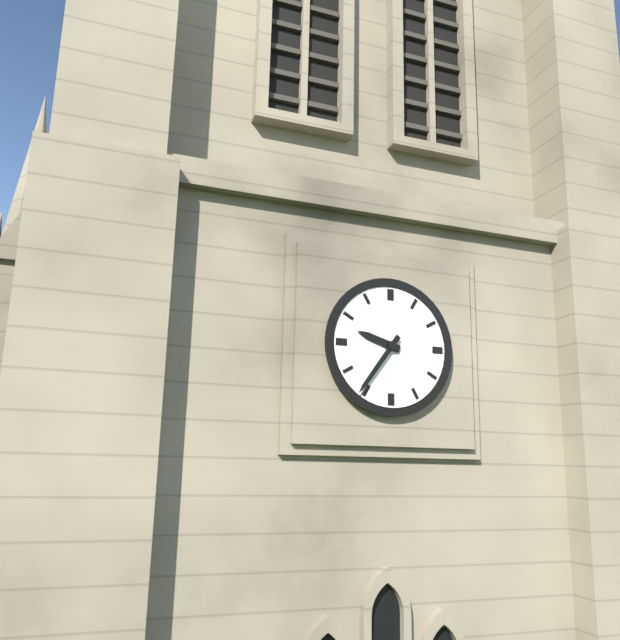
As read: {"hour": 9, "minute": 36}
